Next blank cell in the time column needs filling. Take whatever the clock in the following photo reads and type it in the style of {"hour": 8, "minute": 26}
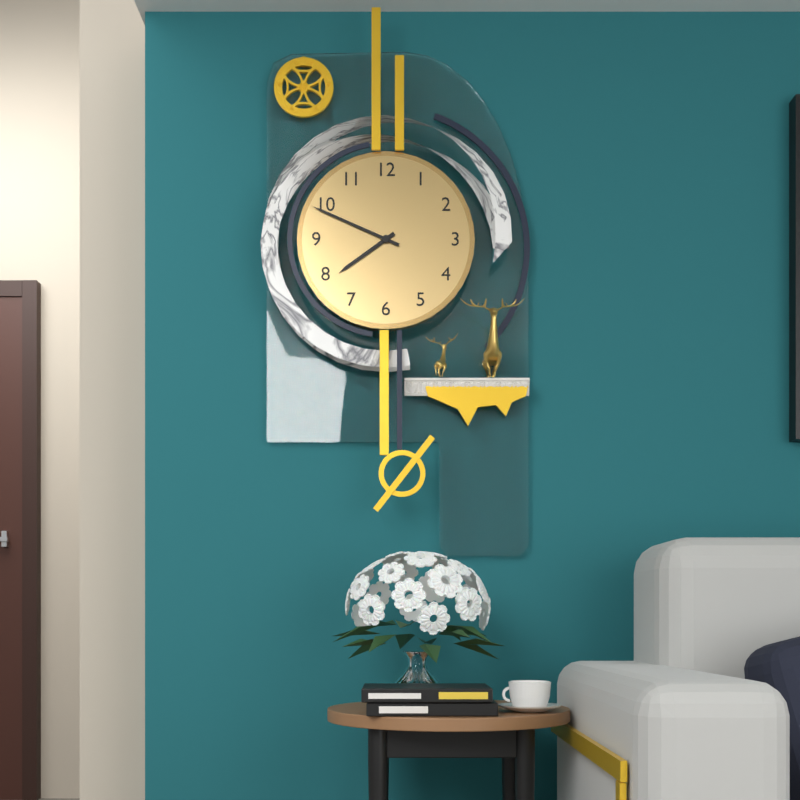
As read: {"hour": 7, "minute": 49}
